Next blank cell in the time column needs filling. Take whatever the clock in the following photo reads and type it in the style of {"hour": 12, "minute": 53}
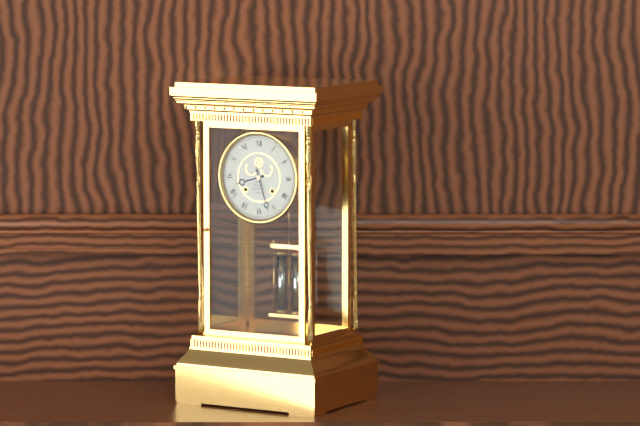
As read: {"hour": 8, "minute": 27}
